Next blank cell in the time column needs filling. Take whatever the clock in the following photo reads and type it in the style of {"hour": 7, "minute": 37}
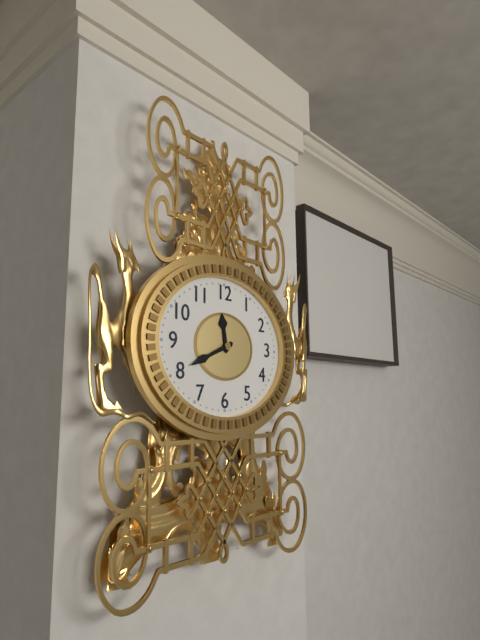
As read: {"hour": 11, "minute": 41}
